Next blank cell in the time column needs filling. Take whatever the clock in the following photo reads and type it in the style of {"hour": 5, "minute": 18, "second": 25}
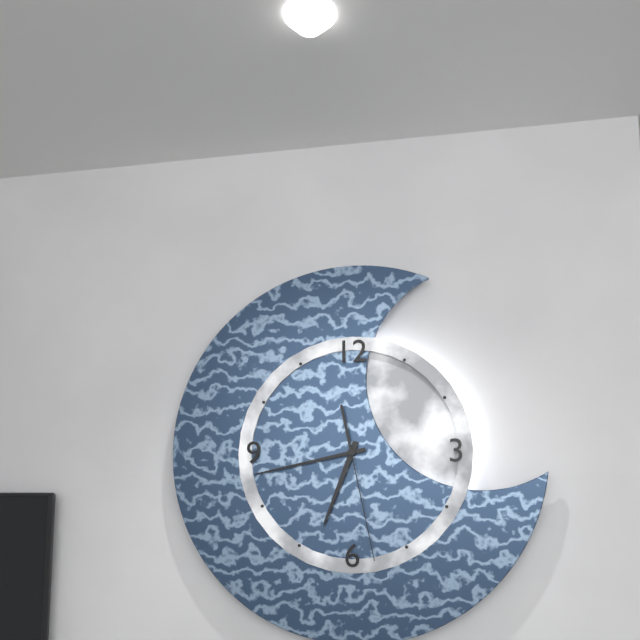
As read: {"hour": 6, "minute": 43, "second": 28}
